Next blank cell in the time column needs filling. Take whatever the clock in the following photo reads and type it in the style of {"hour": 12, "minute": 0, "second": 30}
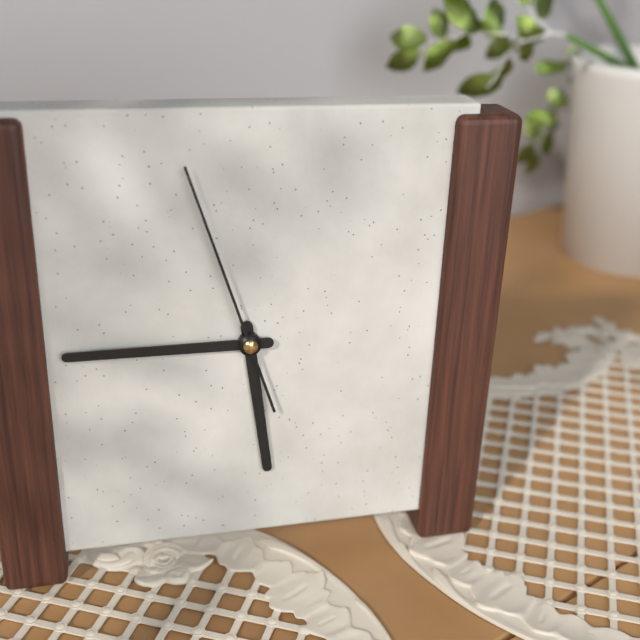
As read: {"hour": 5, "minute": 45, "second": 57}
